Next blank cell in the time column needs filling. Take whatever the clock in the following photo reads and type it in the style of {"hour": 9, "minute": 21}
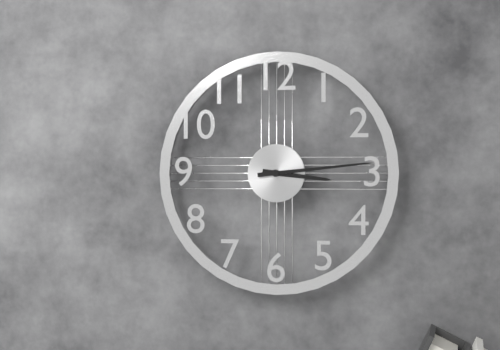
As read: {"hour": 3, "minute": 14}
